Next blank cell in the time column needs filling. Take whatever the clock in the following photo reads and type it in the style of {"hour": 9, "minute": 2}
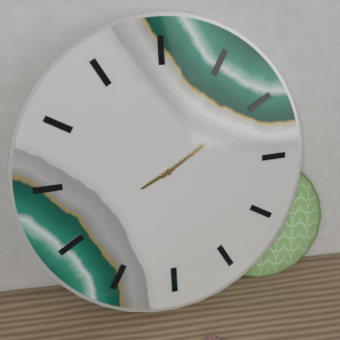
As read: {"hour": 8, "minute": 10}
